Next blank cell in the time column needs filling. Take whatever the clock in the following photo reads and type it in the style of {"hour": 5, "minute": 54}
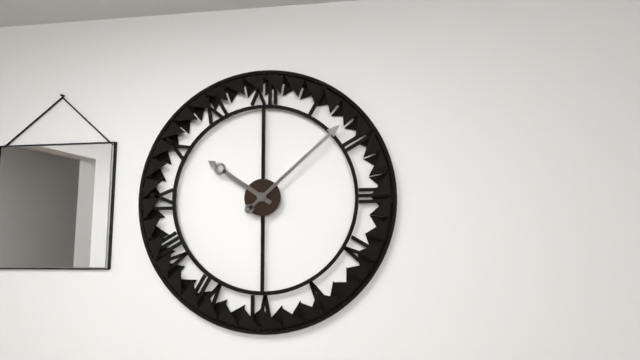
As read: {"hour": 10, "minute": 8}
